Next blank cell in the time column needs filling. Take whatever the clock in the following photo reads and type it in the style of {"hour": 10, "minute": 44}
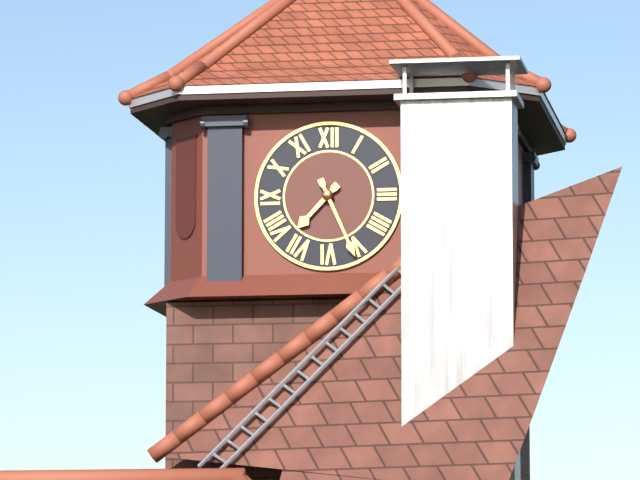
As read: {"hour": 7, "minute": 26}
